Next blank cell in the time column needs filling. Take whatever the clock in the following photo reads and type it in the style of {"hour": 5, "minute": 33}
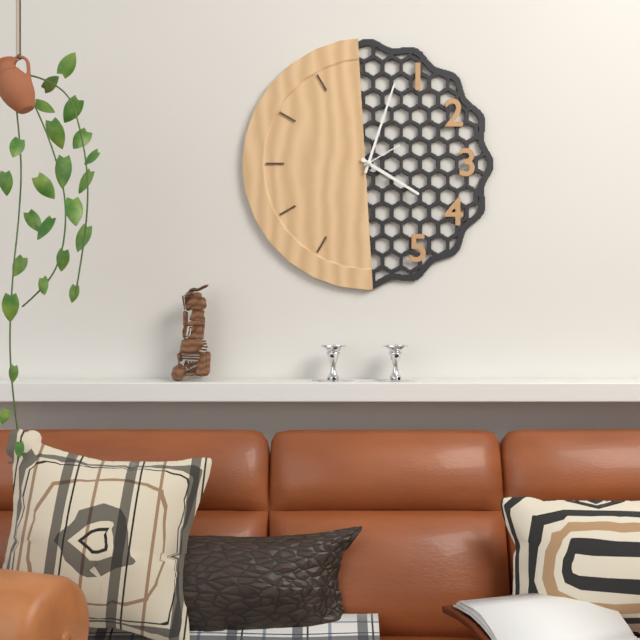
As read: {"hour": 4, "minute": 3}
